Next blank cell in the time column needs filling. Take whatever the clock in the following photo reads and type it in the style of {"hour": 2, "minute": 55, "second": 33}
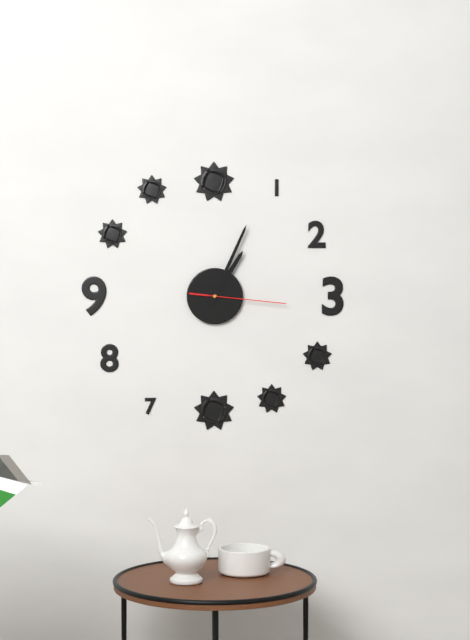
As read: {"hour": 1, "minute": 4, "second": 16}
